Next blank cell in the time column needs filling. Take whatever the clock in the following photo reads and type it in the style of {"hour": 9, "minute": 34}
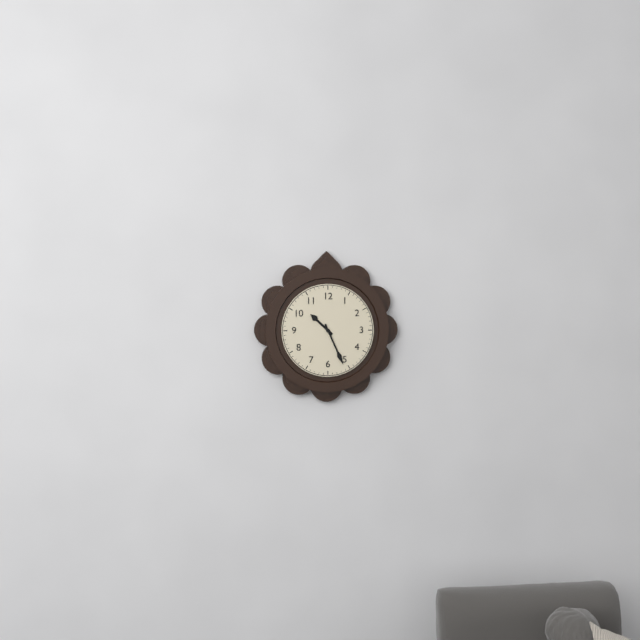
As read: {"hour": 10, "minute": 26}
